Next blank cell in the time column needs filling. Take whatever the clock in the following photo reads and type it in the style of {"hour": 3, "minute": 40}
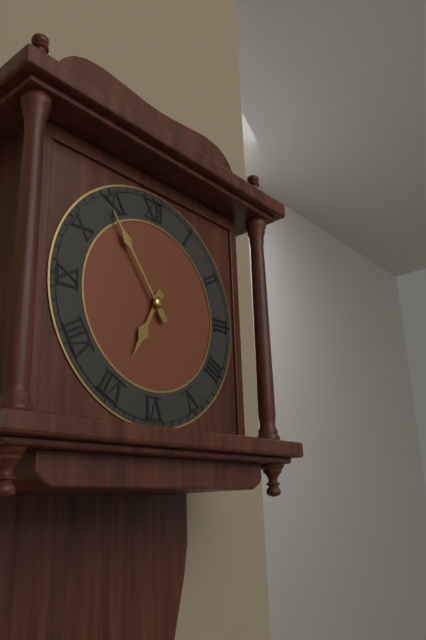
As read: {"hour": 6, "minute": 54}
